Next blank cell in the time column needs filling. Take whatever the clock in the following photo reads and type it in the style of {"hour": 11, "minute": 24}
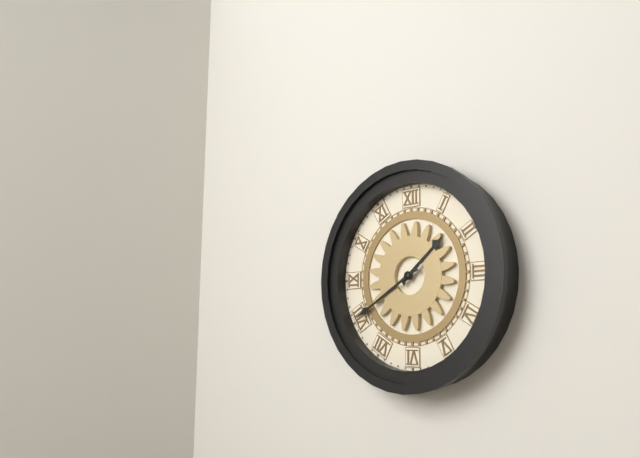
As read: {"hour": 1, "minute": 40}
